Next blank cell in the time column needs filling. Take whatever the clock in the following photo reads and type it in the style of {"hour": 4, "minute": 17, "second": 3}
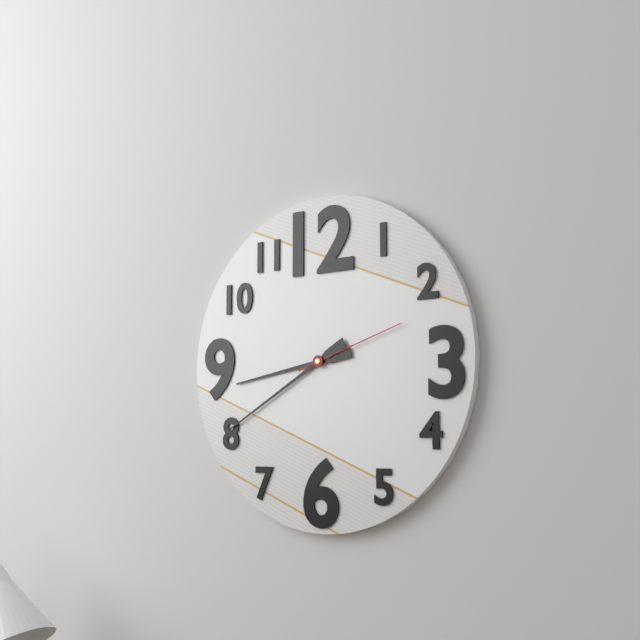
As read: {"hour": 8, "minute": 40, "second": 12}
